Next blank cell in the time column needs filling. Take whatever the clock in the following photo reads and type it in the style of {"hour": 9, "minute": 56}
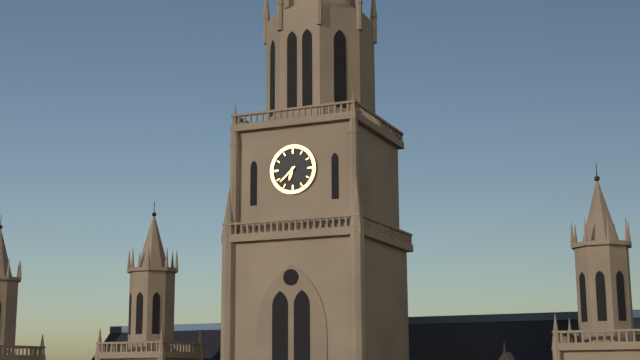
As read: {"hour": 6, "minute": 38}
